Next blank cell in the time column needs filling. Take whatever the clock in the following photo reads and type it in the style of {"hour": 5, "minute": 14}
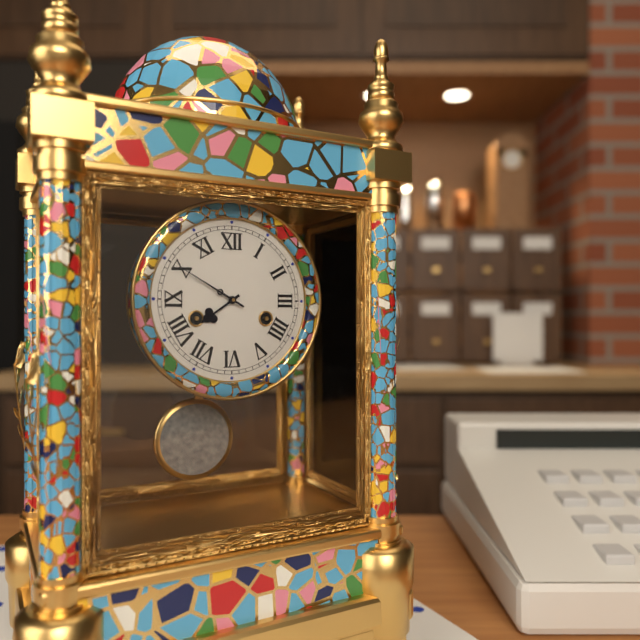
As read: {"hour": 7, "minute": 50}
